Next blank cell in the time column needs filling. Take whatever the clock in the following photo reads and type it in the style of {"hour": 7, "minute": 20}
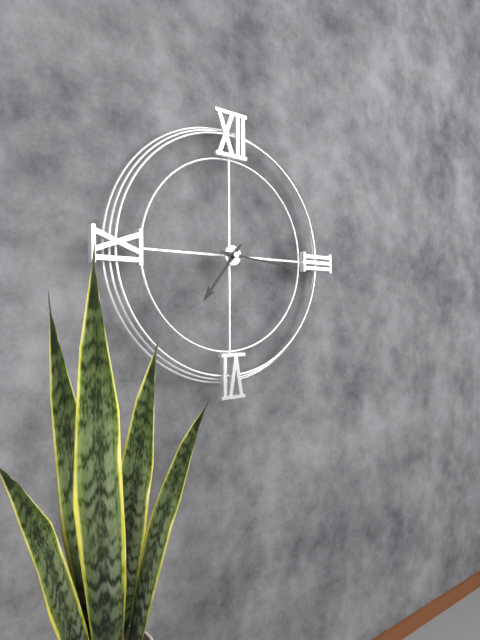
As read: {"hour": 7, "minute": 16}
